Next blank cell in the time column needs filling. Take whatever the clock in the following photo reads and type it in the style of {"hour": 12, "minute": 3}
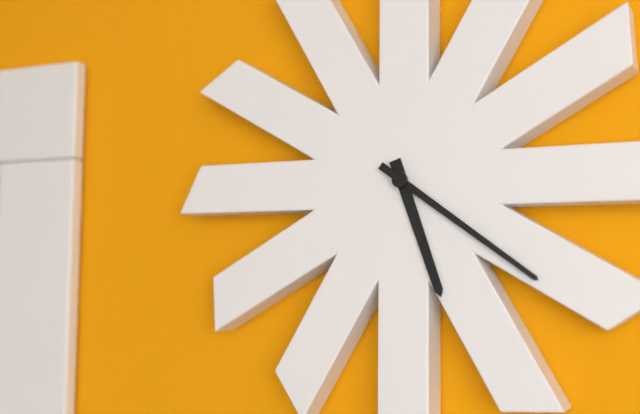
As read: {"hour": 5, "minute": 21}
